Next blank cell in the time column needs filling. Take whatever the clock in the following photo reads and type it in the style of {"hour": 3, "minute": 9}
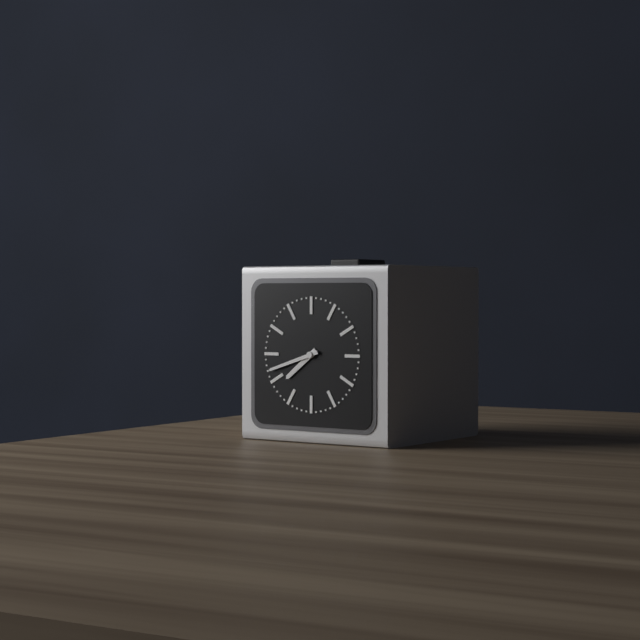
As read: {"hour": 7, "minute": 42}
